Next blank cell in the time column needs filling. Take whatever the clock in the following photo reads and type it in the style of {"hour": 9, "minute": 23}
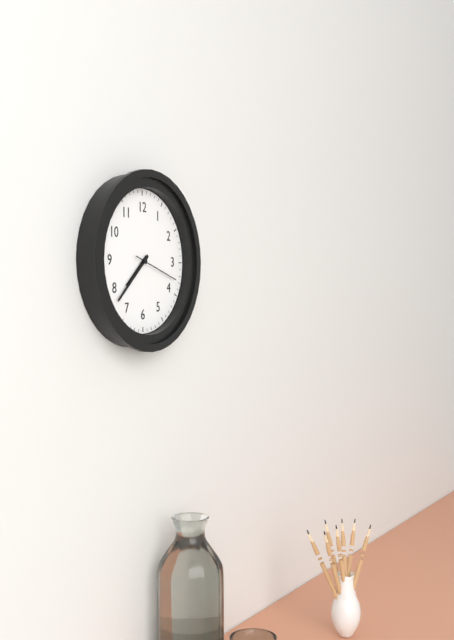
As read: {"hour": 7, "minute": 38}
